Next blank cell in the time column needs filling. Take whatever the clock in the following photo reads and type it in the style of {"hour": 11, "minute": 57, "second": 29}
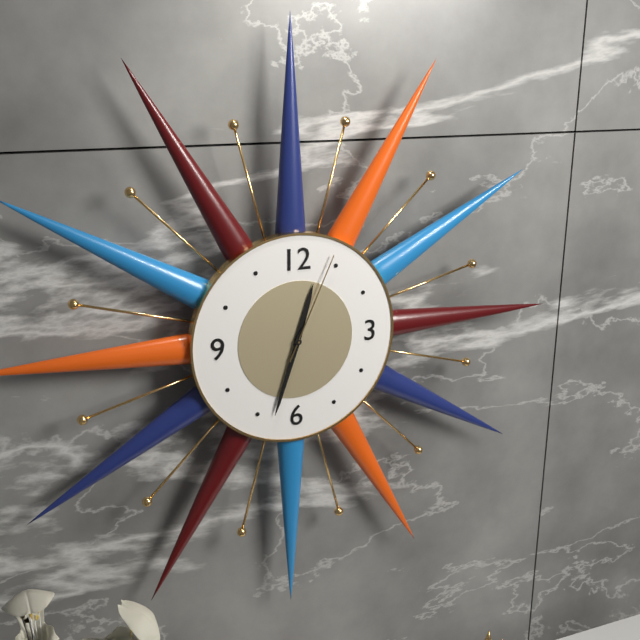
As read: {"hour": 12, "minute": 33, "second": 4}
